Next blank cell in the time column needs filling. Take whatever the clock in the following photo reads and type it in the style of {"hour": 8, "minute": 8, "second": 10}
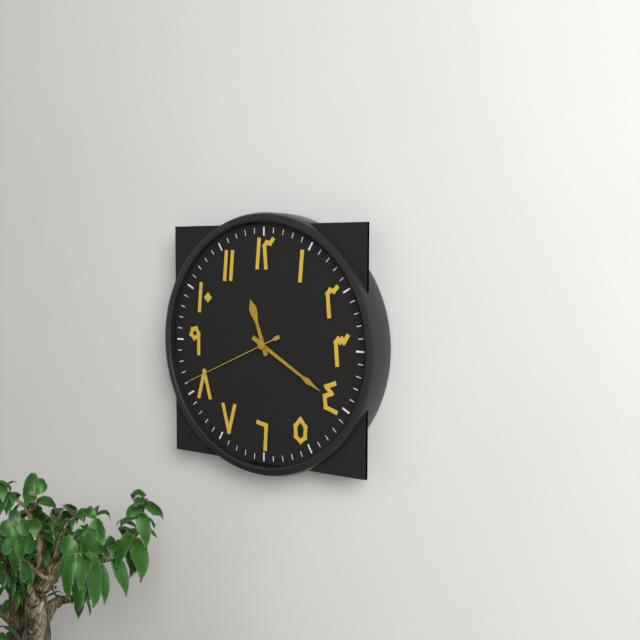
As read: {"hour": 11, "minute": 20, "second": 41}
